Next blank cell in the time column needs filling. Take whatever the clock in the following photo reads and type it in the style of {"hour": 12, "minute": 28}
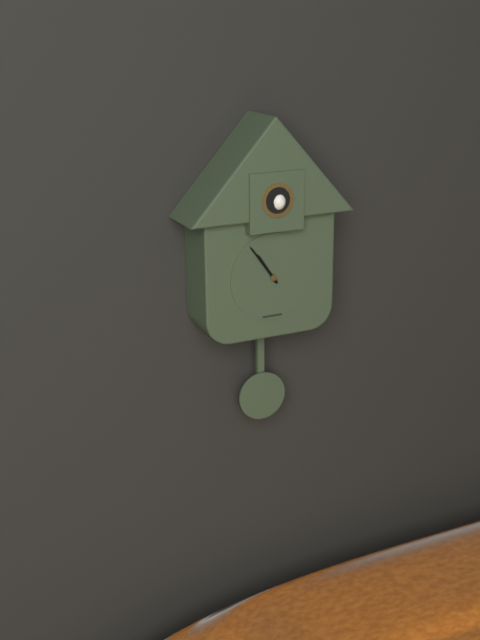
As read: {"hour": 10, "minute": 54}
